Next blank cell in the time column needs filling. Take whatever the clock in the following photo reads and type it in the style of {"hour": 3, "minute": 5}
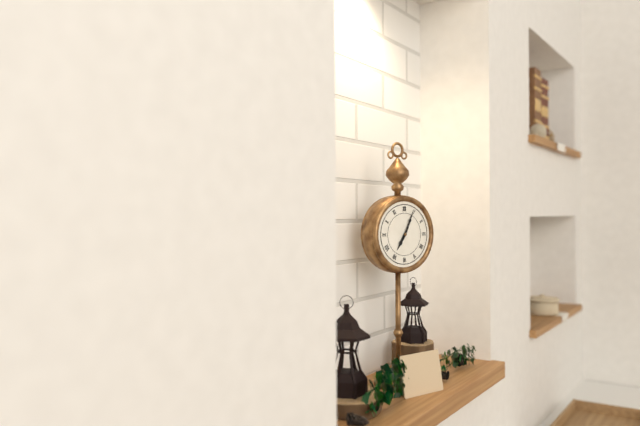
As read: {"hour": 7, "minute": 4}
